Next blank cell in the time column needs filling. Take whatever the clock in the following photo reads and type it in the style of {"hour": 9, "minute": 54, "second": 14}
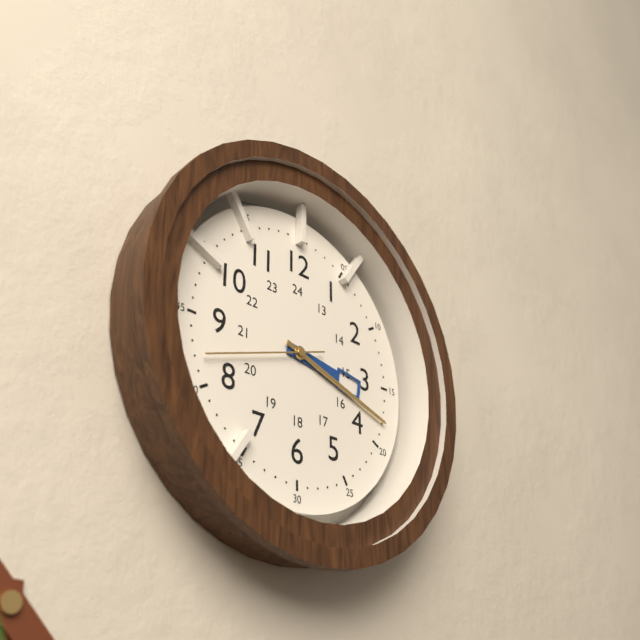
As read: {"hour": 3, "minute": 18, "second": 42}
